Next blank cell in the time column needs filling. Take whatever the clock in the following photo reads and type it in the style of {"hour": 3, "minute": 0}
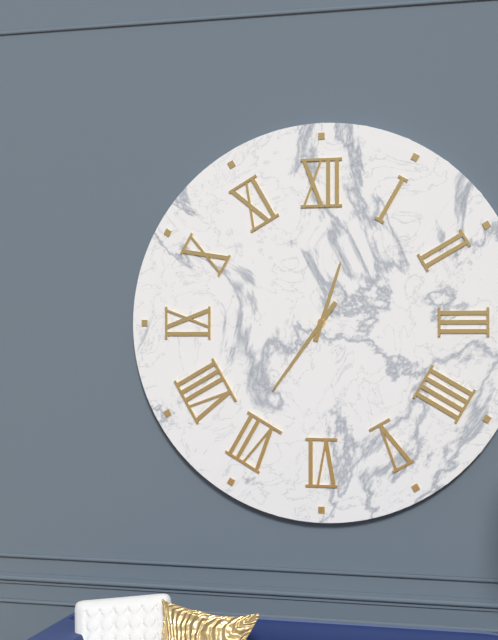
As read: {"hour": 12, "minute": 36}
